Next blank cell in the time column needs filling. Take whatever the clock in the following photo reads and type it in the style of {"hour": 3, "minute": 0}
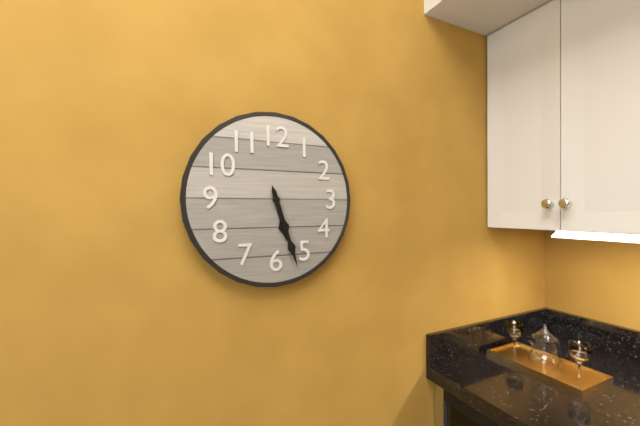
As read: {"hour": 5, "minute": 27}
